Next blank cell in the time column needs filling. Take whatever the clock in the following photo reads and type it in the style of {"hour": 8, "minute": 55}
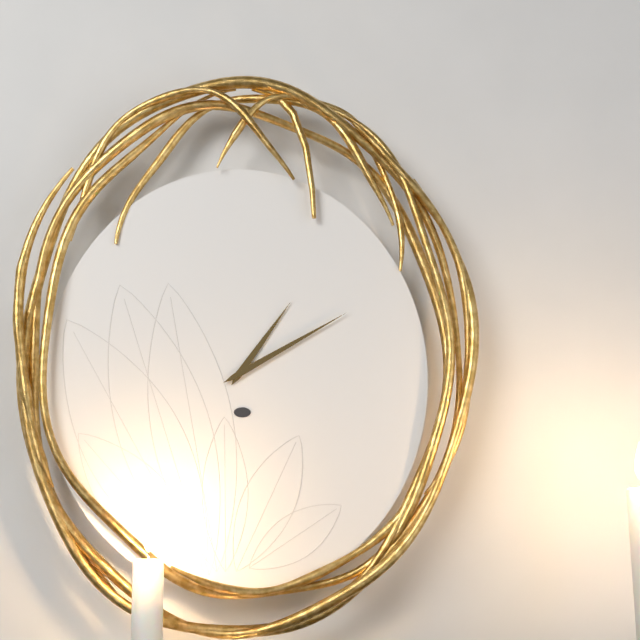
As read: {"hour": 1, "minute": 10}
